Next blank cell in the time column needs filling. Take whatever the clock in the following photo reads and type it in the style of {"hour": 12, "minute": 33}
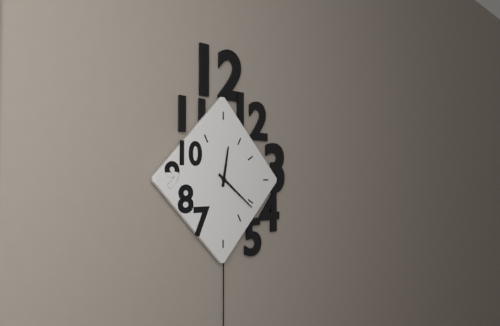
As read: {"hour": 12, "minute": 21}
